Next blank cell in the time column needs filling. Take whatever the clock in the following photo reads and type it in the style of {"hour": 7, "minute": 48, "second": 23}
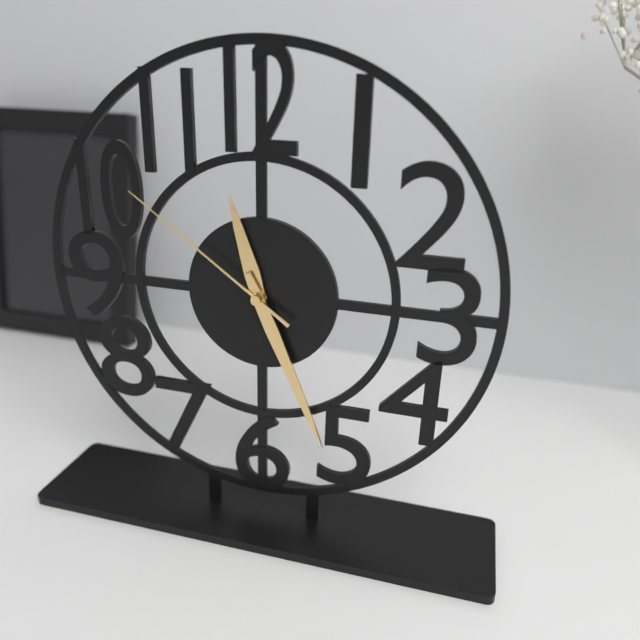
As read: {"hour": 11, "minute": 26, "second": 51}
